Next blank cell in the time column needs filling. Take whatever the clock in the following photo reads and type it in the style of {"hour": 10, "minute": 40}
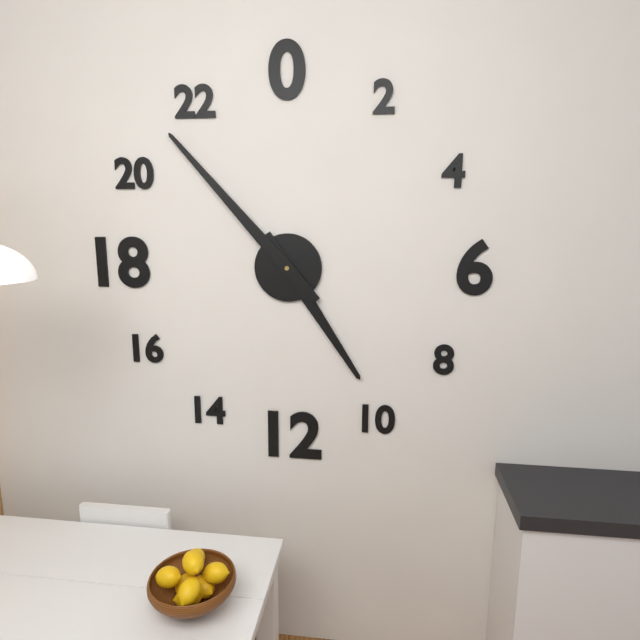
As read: {"hour": 4, "minute": 53}
